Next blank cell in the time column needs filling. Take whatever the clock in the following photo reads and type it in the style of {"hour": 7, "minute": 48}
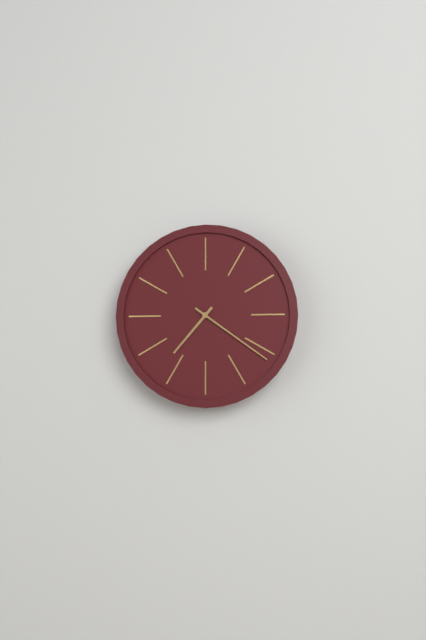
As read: {"hour": 7, "minute": 21}
